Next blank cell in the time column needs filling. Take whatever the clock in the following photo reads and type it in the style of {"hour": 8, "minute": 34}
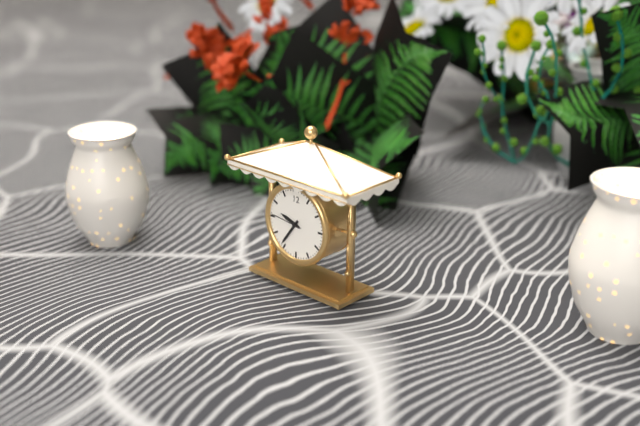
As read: {"hour": 9, "minute": 36}
